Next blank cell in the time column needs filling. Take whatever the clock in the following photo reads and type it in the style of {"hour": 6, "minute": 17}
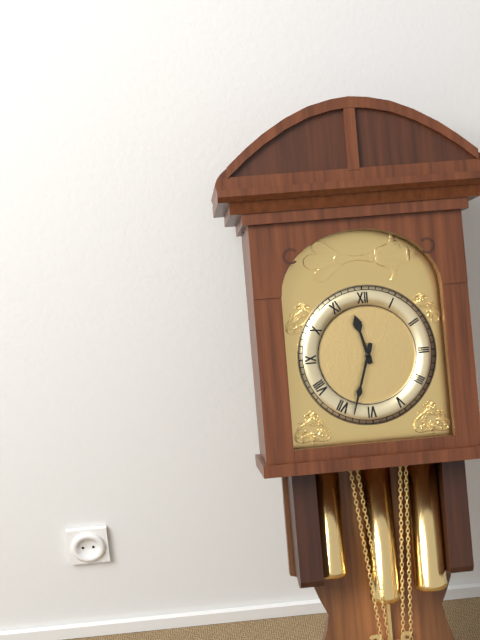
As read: {"hour": 11, "minute": 33}
